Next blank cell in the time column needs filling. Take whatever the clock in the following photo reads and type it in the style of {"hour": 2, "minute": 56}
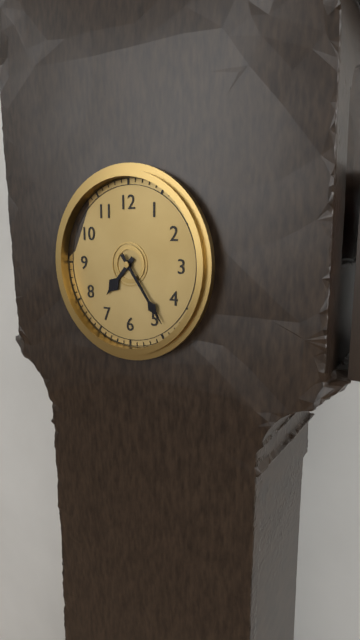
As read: {"hour": 7, "minute": 24}
